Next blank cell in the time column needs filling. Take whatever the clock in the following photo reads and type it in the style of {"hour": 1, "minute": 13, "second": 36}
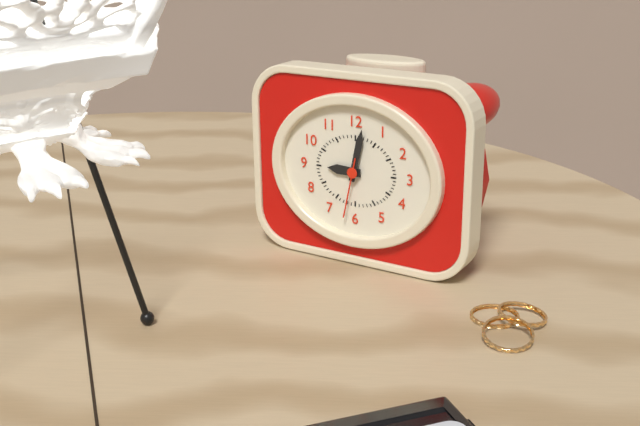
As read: {"hour": 9, "minute": 2, "second": 32}
